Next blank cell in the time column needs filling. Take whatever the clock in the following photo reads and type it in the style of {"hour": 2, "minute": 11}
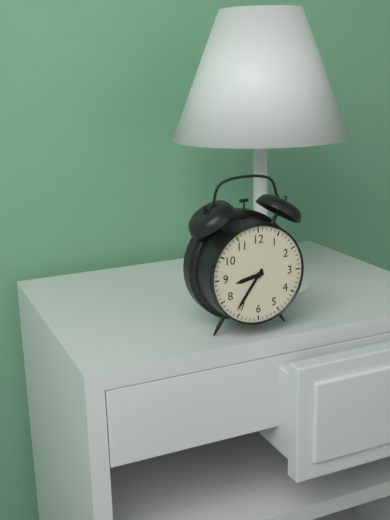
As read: {"hour": 8, "minute": 36}
